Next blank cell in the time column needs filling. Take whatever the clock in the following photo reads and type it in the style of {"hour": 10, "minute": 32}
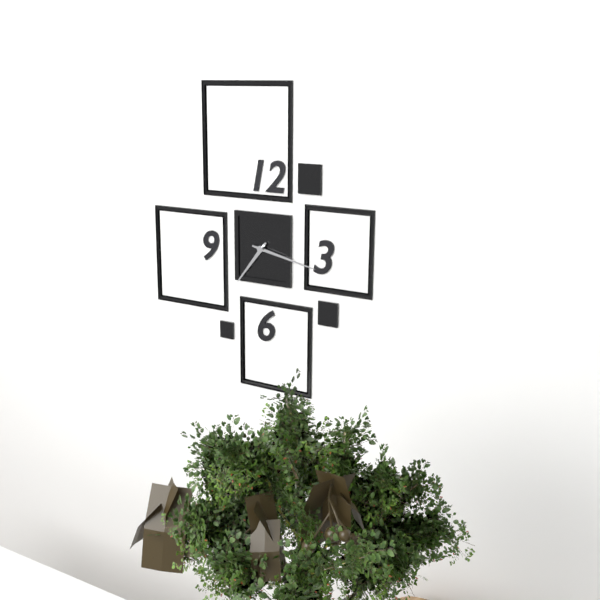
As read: {"hour": 7, "minute": 17}
